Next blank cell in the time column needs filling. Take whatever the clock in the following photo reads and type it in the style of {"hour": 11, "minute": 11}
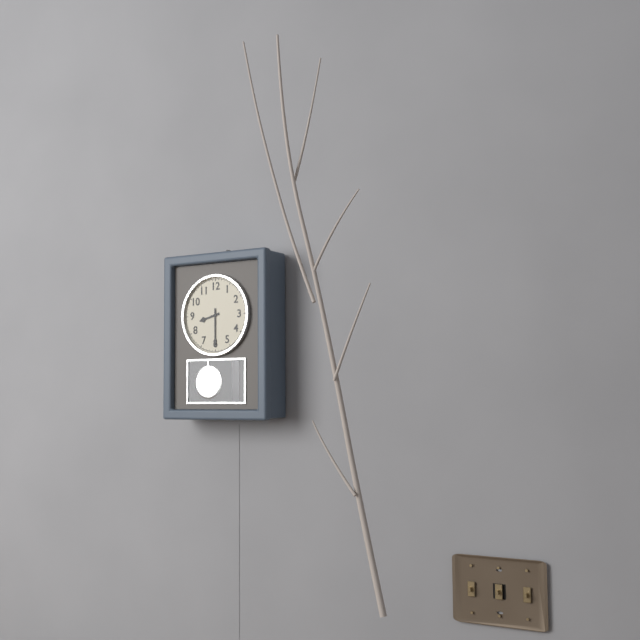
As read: {"hour": 8, "minute": 30}
